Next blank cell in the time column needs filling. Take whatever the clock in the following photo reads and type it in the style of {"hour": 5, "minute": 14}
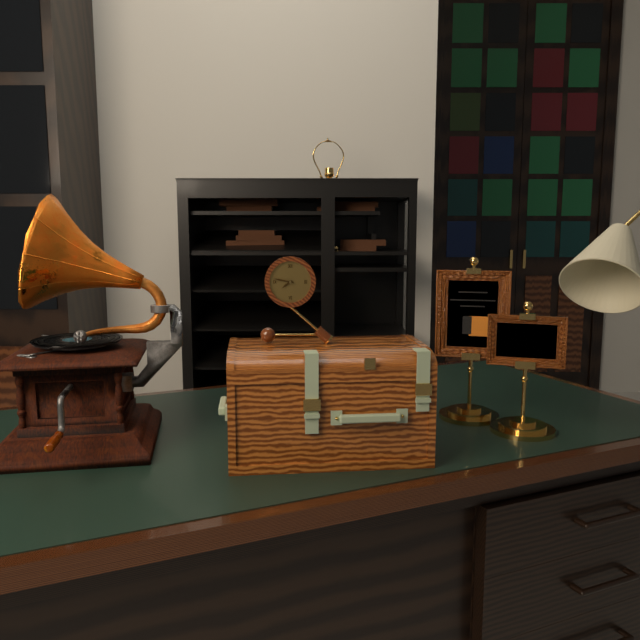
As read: {"hour": 7, "minute": 47}
